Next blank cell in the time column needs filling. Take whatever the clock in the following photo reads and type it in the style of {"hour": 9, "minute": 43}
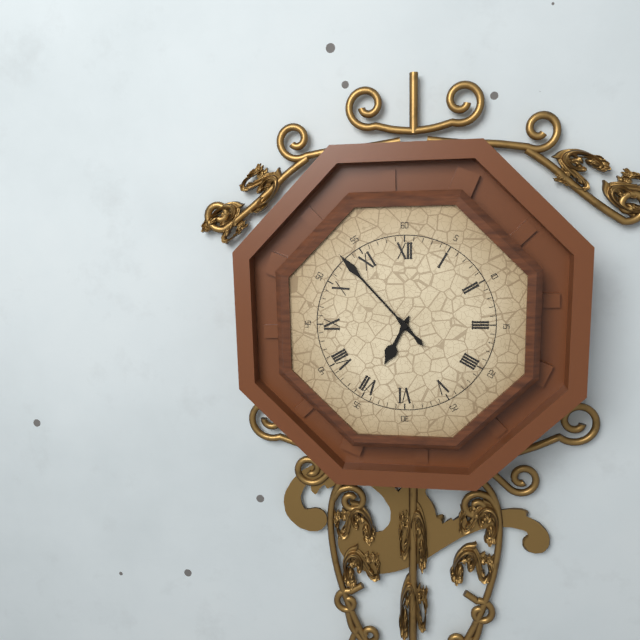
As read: {"hour": 6, "minute": 53}
